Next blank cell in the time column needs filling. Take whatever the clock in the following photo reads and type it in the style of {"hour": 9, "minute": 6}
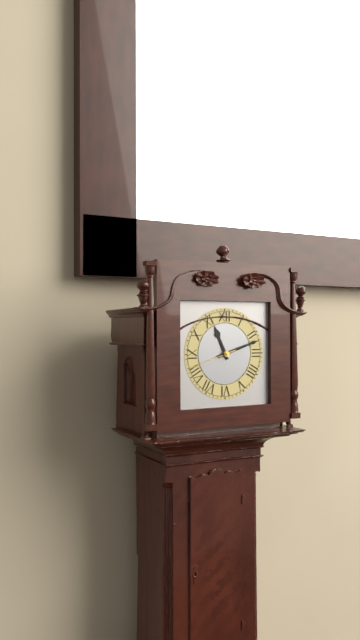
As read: {"hour": 11, "minute": 12}
